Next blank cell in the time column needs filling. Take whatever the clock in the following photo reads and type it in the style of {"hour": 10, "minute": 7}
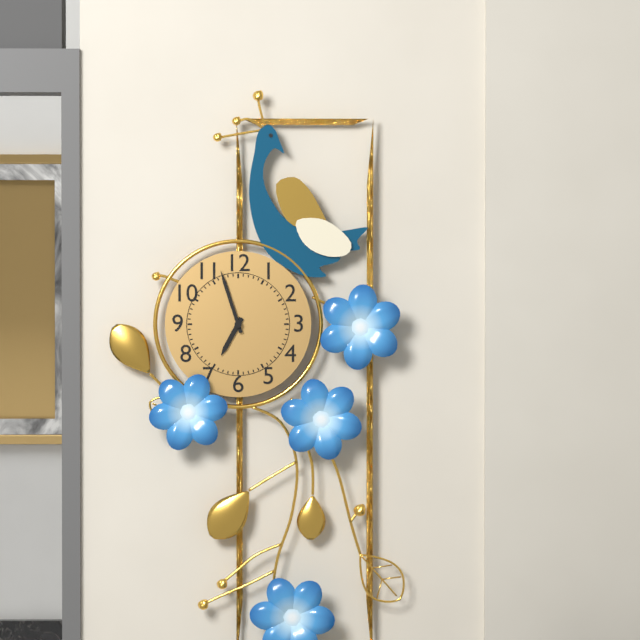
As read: {"hour": 6, "minute": 57}
